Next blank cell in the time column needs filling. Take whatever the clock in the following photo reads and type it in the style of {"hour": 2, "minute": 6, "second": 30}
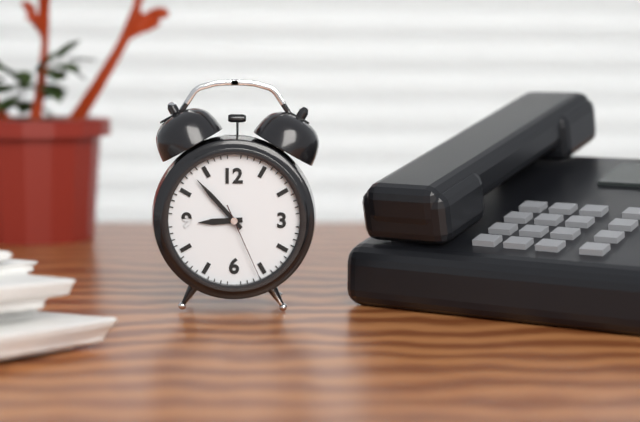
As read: {"hour": 8, "minute": 53, "second": 26}
